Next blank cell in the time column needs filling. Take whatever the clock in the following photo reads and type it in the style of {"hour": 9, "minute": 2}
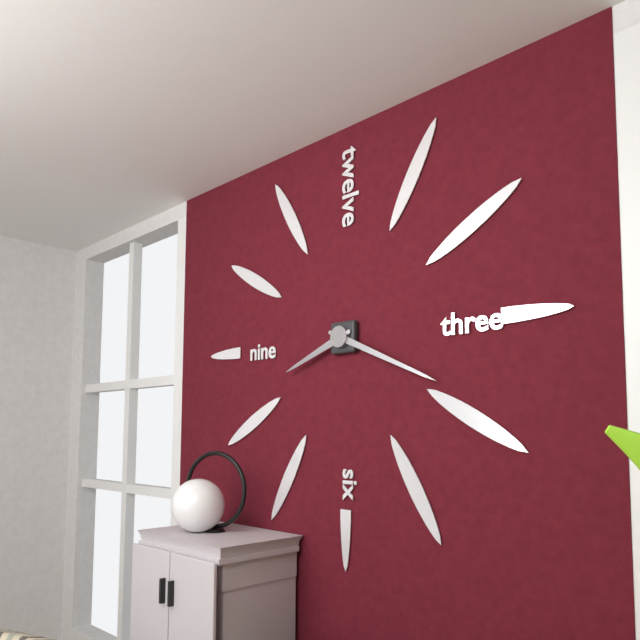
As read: {"hour": 8, "minute": 19}
